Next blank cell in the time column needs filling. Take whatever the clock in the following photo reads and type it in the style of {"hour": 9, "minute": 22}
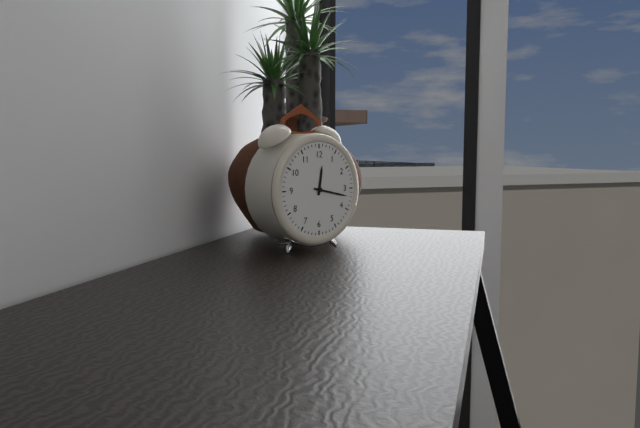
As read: {"hour": 12, "minute": 17}
